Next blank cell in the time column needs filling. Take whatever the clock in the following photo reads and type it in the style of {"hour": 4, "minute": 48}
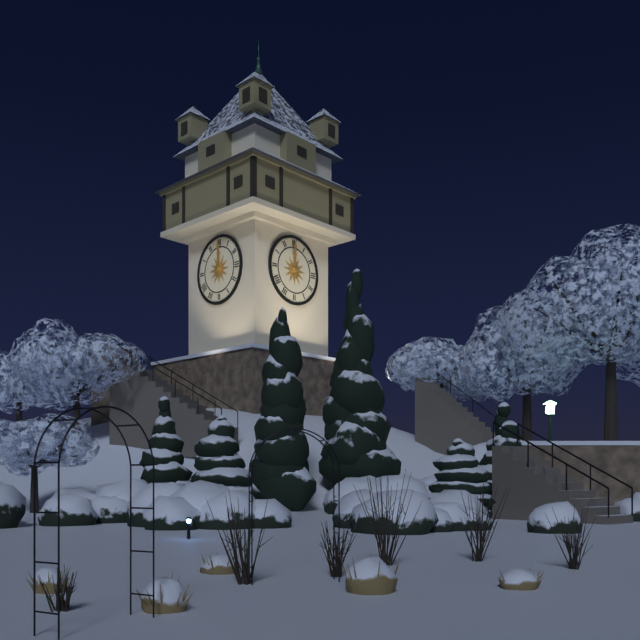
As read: {"hour": 12, "minute": 0}
